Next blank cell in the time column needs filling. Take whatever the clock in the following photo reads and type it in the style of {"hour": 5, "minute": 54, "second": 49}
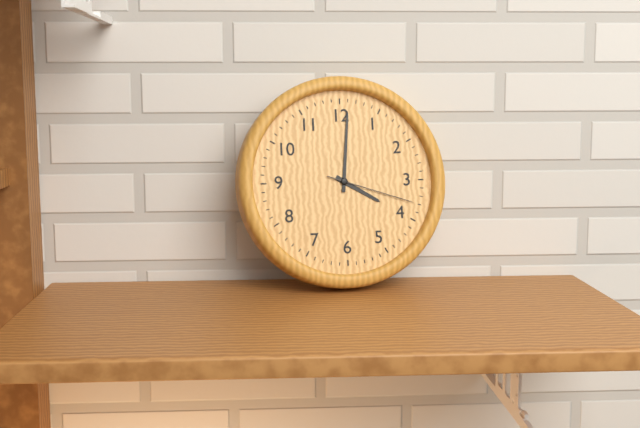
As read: {"hour": 4, "minute": 1, "second": 18}
